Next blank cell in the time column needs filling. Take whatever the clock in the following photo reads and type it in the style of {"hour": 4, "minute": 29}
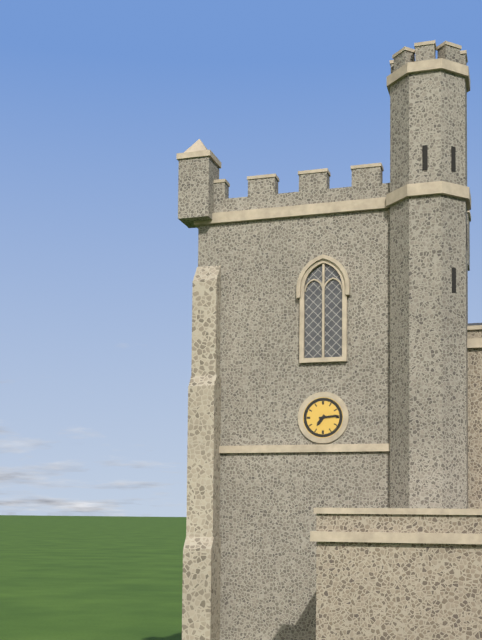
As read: {"hour": 7, "minute": 14}
